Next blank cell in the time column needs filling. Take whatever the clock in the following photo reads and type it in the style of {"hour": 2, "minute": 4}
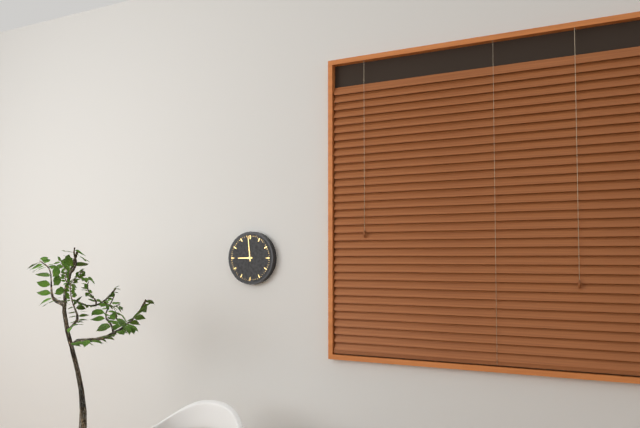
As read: {"hour": 8, "minute": 59}
